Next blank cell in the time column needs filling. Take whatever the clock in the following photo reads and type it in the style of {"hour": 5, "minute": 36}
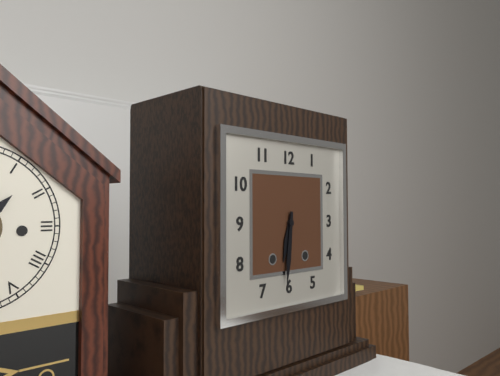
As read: {"hour": 6, "minute": 31}
